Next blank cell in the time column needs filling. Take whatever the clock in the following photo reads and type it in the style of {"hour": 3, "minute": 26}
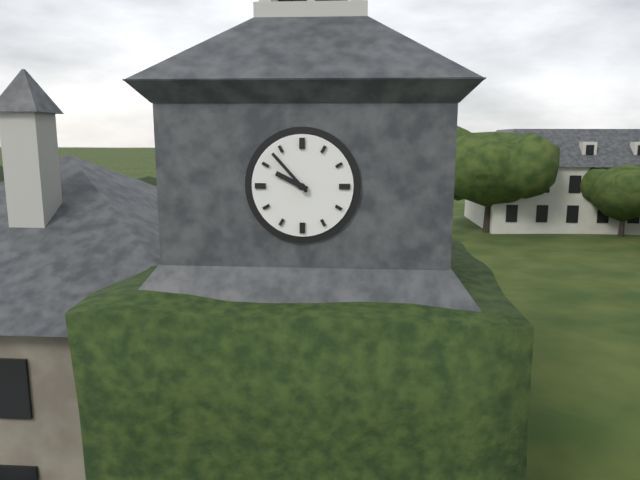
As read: {"hour": 9, "minute": 53}
